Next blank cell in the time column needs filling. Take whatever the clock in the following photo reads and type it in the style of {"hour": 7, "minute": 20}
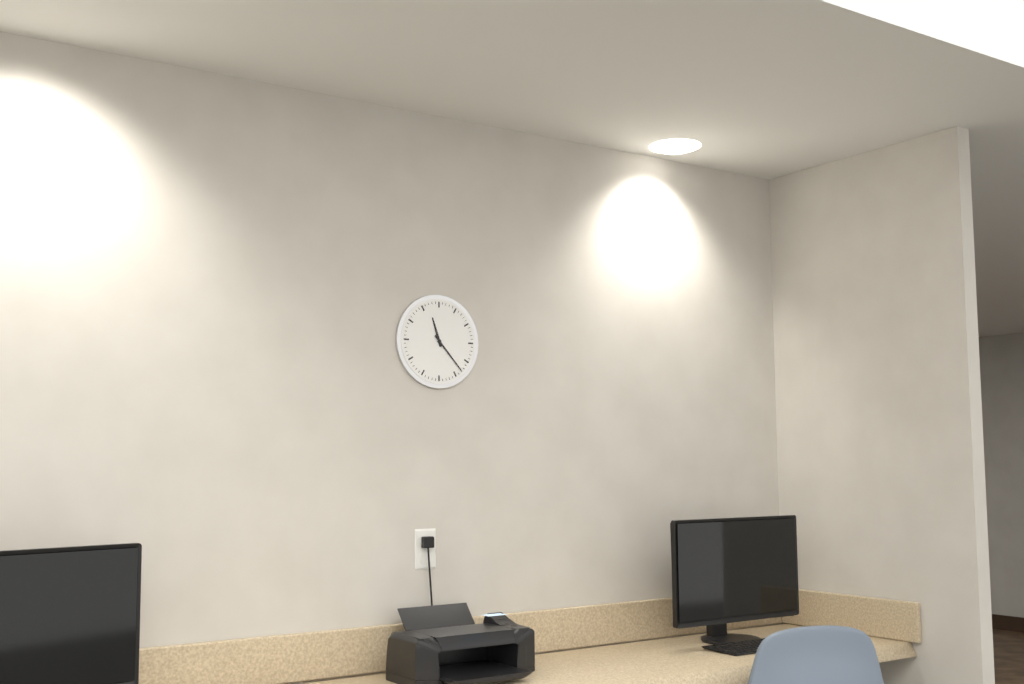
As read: {"hour": 11, "minute": 23}
